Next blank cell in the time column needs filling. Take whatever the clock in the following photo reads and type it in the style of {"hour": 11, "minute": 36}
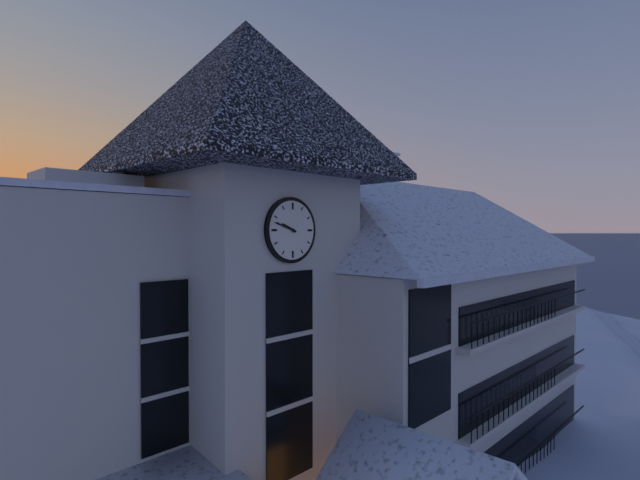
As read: {"hour": 9, "minute": 48}
